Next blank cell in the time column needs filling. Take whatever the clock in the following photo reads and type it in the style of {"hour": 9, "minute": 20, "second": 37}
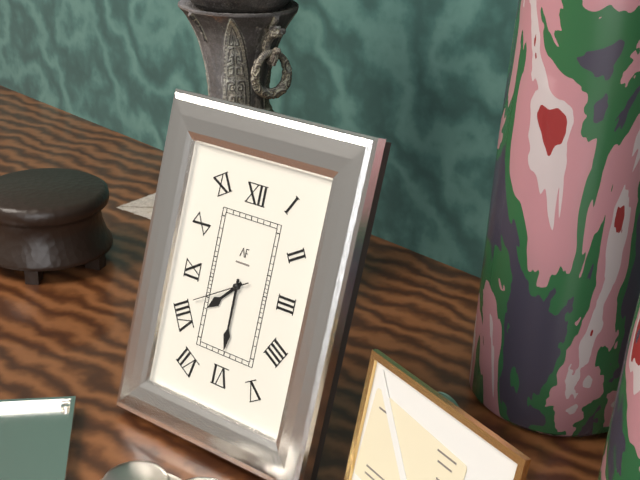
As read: {"hour": 7, "minute": 30, "second": 40}
